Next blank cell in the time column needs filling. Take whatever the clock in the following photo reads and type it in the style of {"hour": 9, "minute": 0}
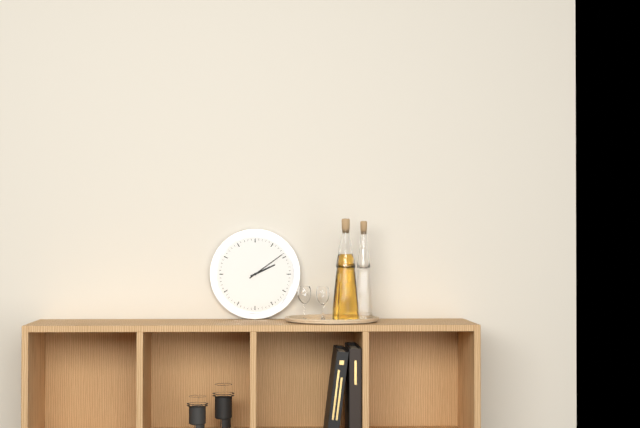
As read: {"hour": 2, "minute": 9}
